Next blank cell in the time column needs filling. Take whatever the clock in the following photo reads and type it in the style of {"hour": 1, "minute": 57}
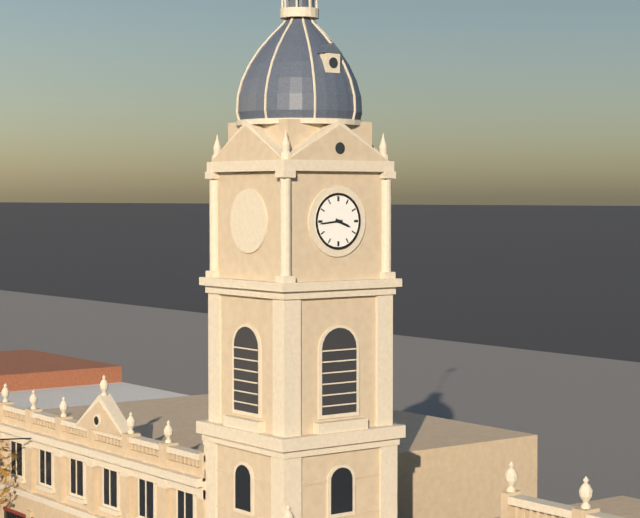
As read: {"hour": 3, "minute": 44}
